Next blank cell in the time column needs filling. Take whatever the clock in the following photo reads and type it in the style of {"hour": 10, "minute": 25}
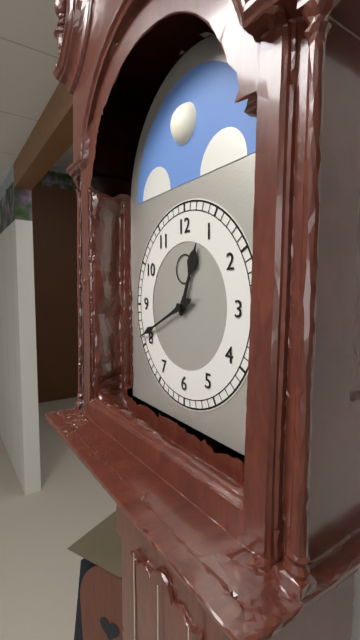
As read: {"hour": 12, "minute": 41}
